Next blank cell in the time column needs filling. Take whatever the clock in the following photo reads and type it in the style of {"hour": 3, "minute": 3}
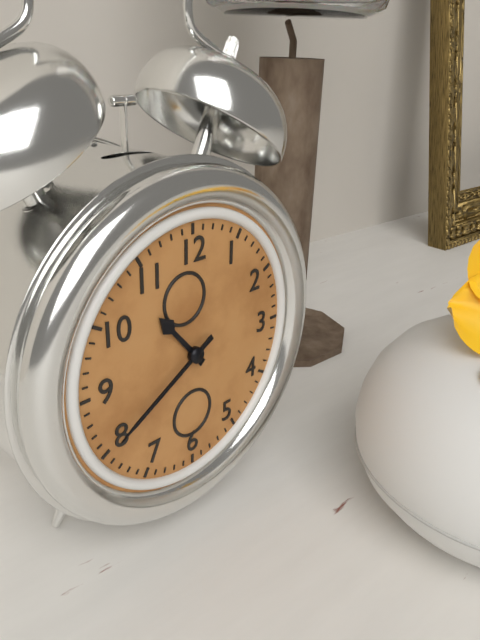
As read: {"hour": 10, "minute": 40}
